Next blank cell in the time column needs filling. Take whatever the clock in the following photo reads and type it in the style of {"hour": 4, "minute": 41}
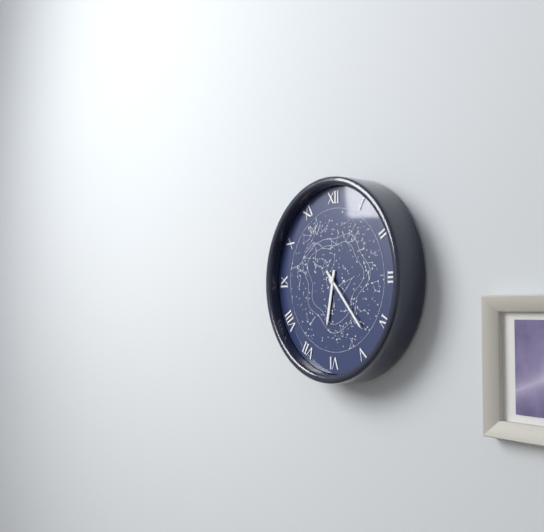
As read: {"hour": 6, "minute": 23}
